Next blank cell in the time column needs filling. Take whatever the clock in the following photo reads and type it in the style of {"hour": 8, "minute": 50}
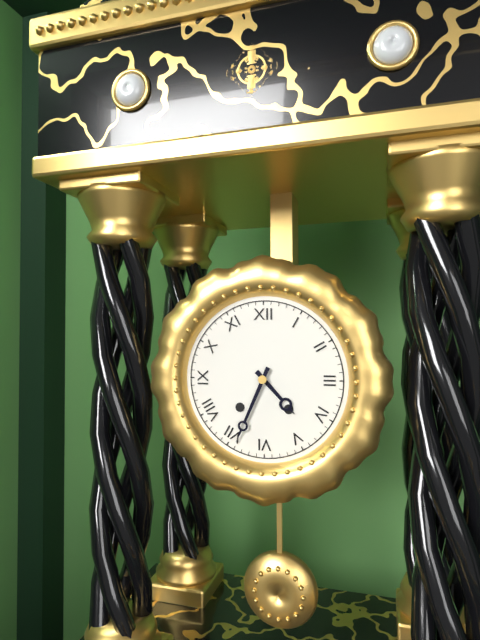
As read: {"hour": 4, "minute": 34}
